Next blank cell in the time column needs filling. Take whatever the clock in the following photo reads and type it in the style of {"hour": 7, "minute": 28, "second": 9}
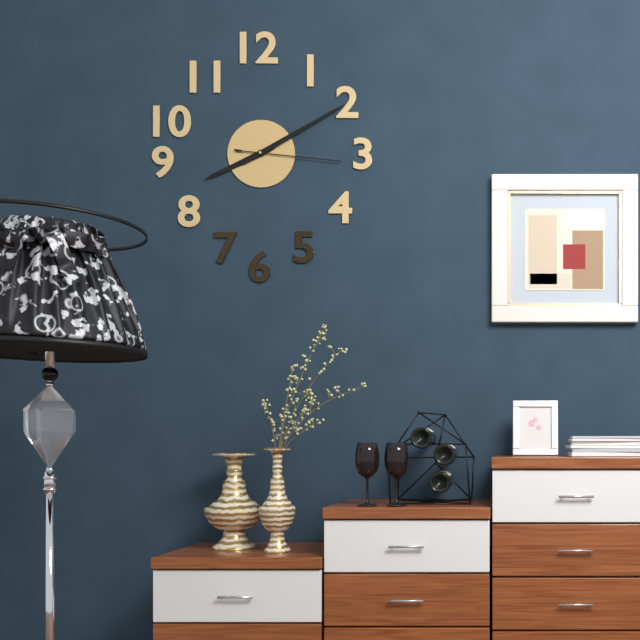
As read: {"hour": 8, "minute": 10, "second": 16}
